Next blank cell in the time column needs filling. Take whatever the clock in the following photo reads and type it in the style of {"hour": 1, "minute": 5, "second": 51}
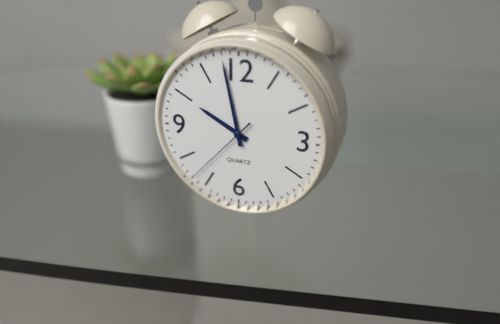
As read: {"hour": 9, "minute": 58, "second": 37}
